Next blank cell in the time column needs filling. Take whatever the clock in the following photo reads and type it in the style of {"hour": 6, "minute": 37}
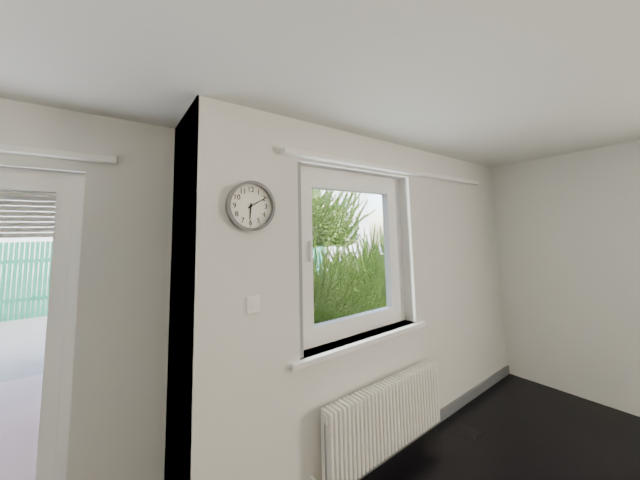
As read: {"hour": 6, "minute": 10}
